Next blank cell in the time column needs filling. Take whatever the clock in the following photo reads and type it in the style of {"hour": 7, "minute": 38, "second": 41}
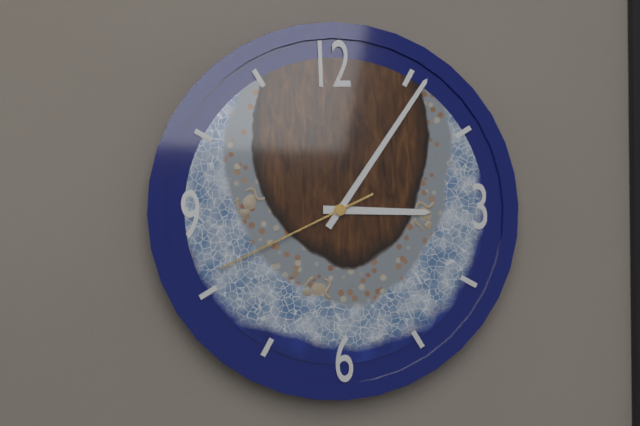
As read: {"hour": 3, "minute": 6, "second": 41}
